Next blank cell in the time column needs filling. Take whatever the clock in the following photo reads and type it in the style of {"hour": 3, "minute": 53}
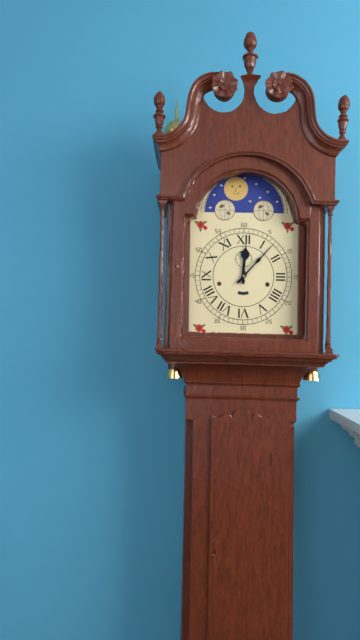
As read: {"hour": 12, "minute": 7}
